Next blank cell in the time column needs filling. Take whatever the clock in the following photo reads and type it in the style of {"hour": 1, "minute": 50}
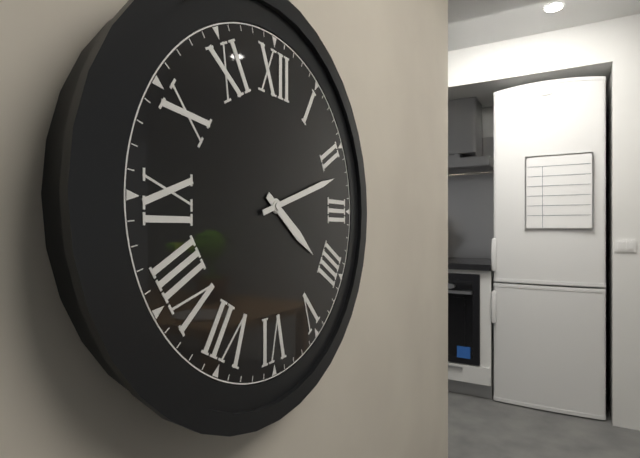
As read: {"hour": 4, "minute": 12}
